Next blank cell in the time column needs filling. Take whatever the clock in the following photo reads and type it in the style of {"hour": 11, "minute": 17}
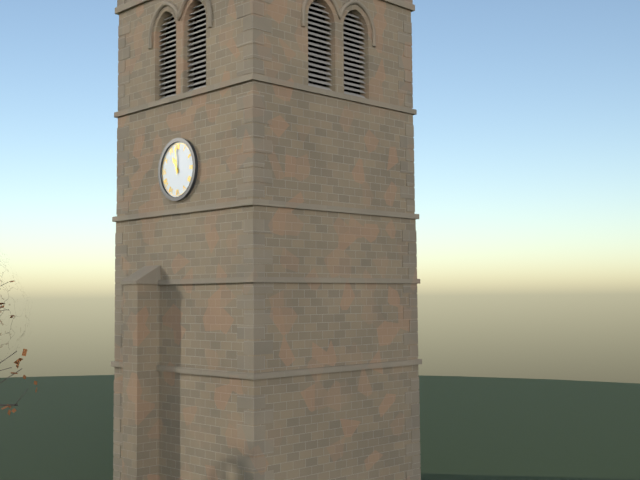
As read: {"hour": 10, "minute": 59}
